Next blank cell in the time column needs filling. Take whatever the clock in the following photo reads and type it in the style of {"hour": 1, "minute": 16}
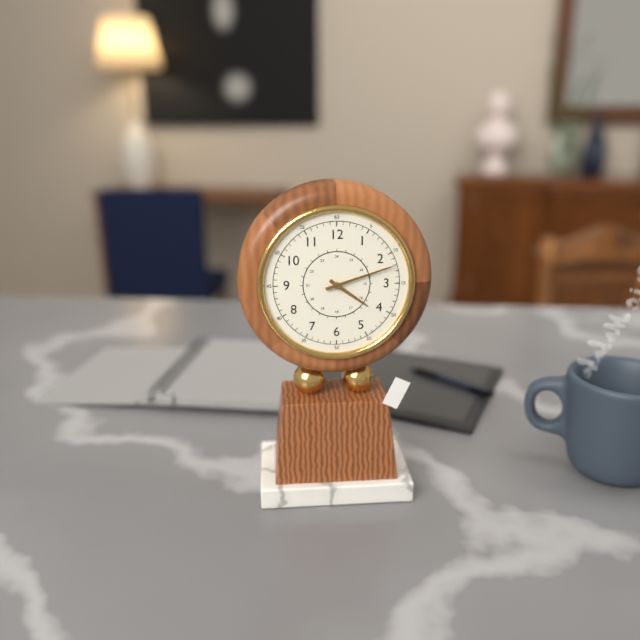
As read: {"hour": 4, "minute": 12}
